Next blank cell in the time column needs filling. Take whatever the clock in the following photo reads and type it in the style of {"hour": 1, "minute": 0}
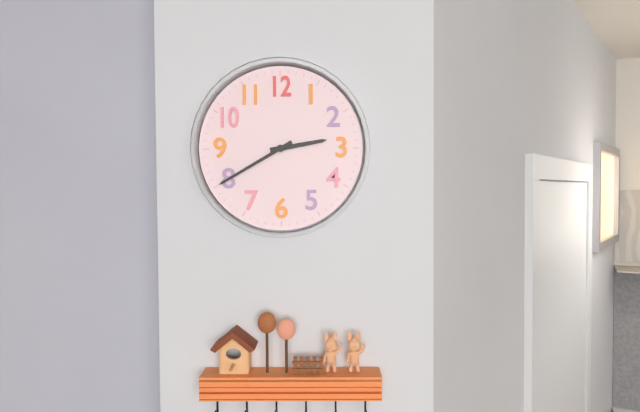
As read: {"hour": 2, "minute": 40}
